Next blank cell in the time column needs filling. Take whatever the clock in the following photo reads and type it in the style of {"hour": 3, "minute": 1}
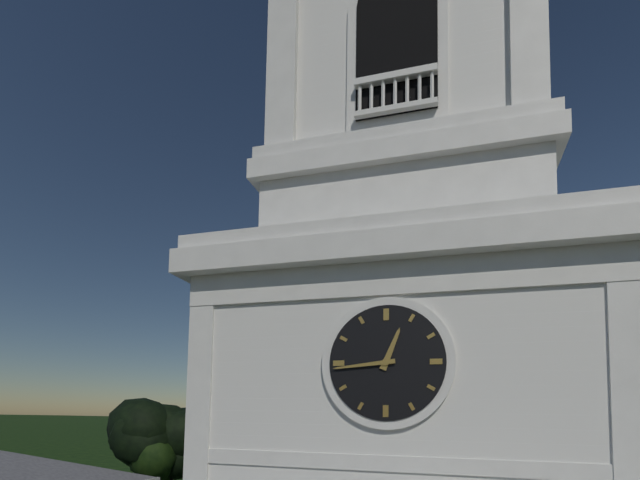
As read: {"hour": 12, "minute": 44}
